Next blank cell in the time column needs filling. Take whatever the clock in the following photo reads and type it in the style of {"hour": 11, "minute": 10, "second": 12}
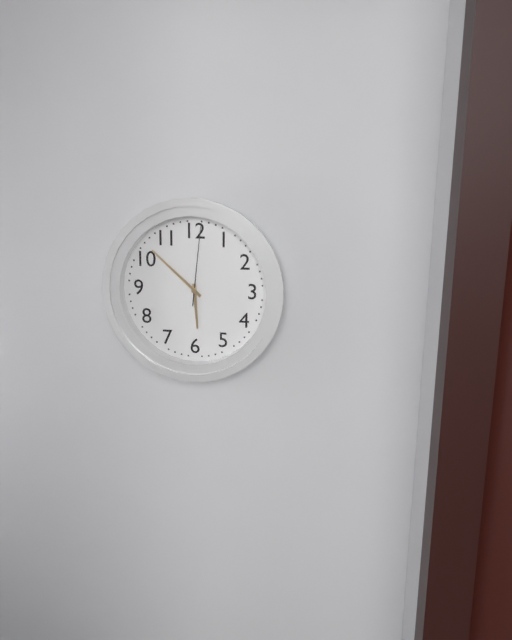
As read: {"hour": 5, "minute": 52, "second": 1}
